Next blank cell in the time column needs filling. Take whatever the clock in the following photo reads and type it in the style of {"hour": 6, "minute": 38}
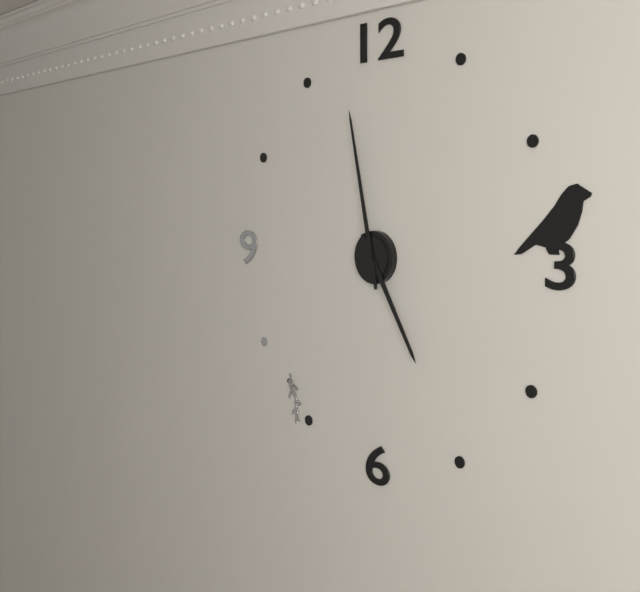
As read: {"hour": 4, "minute": 58}
